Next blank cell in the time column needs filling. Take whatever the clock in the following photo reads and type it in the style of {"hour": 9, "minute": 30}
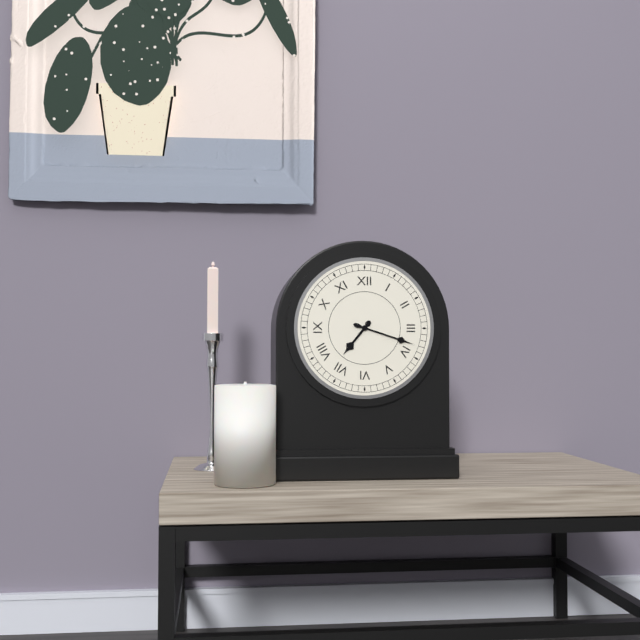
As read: {"hour": 7, "minute": 18}
